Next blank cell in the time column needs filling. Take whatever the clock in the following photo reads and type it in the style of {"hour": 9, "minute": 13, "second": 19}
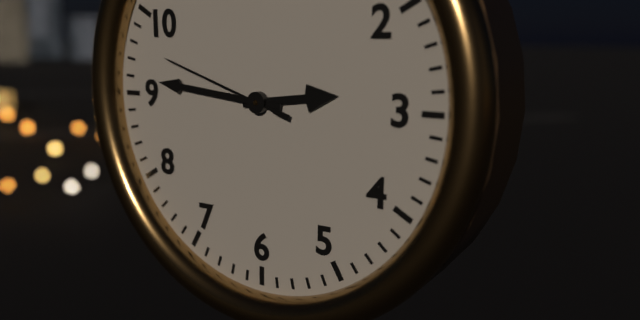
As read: {"hour": 2, "minute": 46, "second": 48}
